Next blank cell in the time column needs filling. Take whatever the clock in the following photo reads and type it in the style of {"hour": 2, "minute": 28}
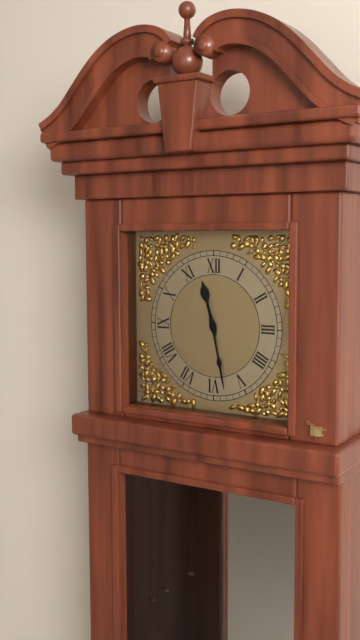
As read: {"hour": 11, "minute": 28}
